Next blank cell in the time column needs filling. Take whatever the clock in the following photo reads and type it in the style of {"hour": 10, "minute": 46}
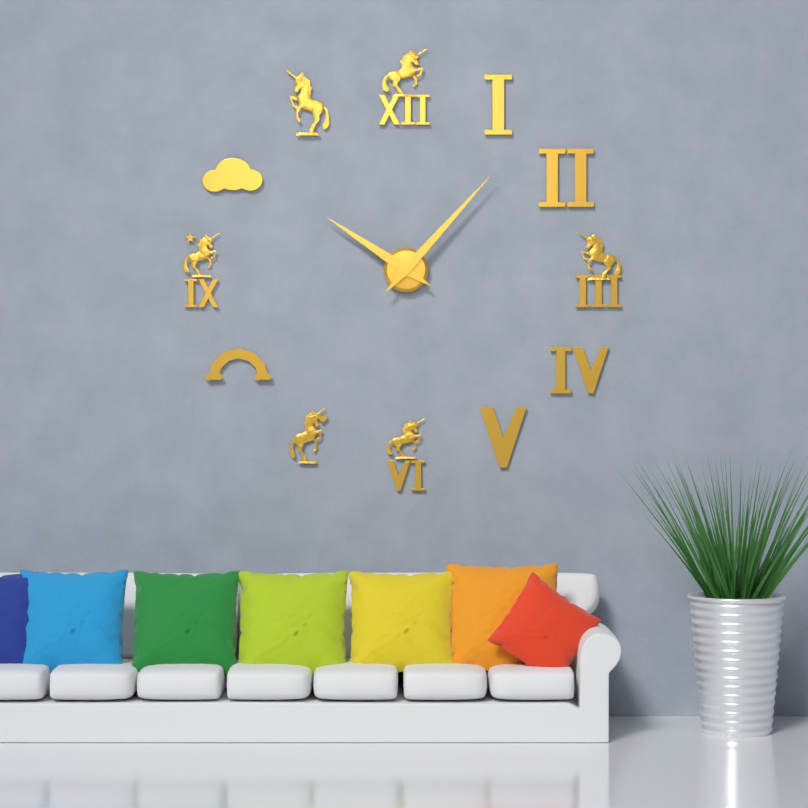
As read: {"hour": 10, "minute": 7}
